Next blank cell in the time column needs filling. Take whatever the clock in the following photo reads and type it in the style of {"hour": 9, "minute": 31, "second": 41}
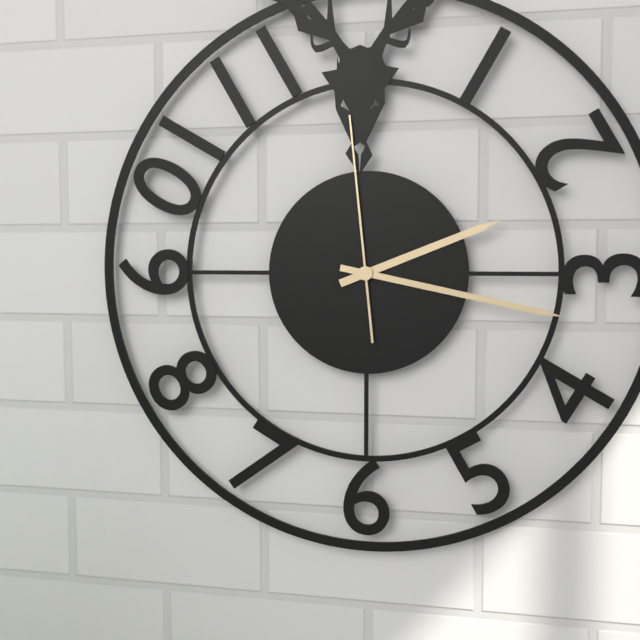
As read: {"hour": 2, "minute": 17, "second": 59}
